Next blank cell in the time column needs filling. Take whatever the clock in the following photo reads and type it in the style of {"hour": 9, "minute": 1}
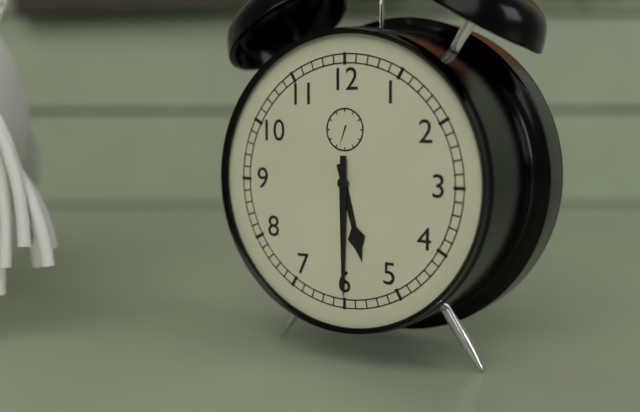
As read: {"hour": 5, "minute": 30}
